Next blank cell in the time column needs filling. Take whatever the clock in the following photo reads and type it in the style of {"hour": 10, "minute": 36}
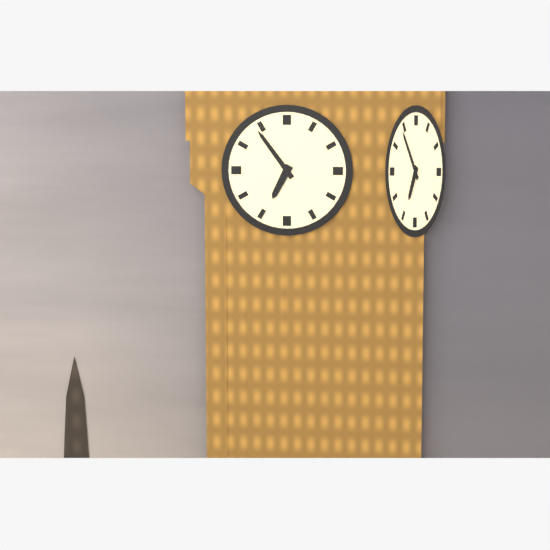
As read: {"hour": 6, "minute": 54}
